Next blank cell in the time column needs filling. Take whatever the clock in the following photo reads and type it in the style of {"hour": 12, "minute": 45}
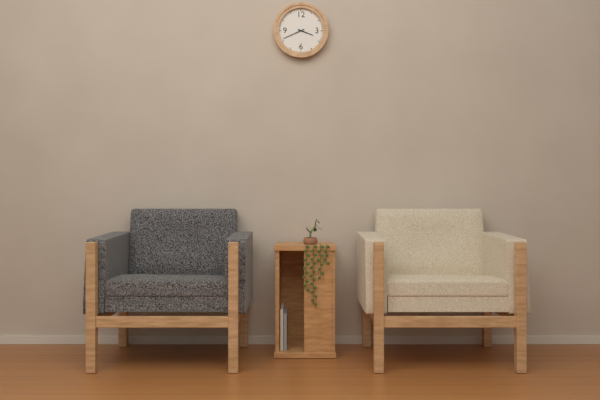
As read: {"hour": 3, "minute": 41}
